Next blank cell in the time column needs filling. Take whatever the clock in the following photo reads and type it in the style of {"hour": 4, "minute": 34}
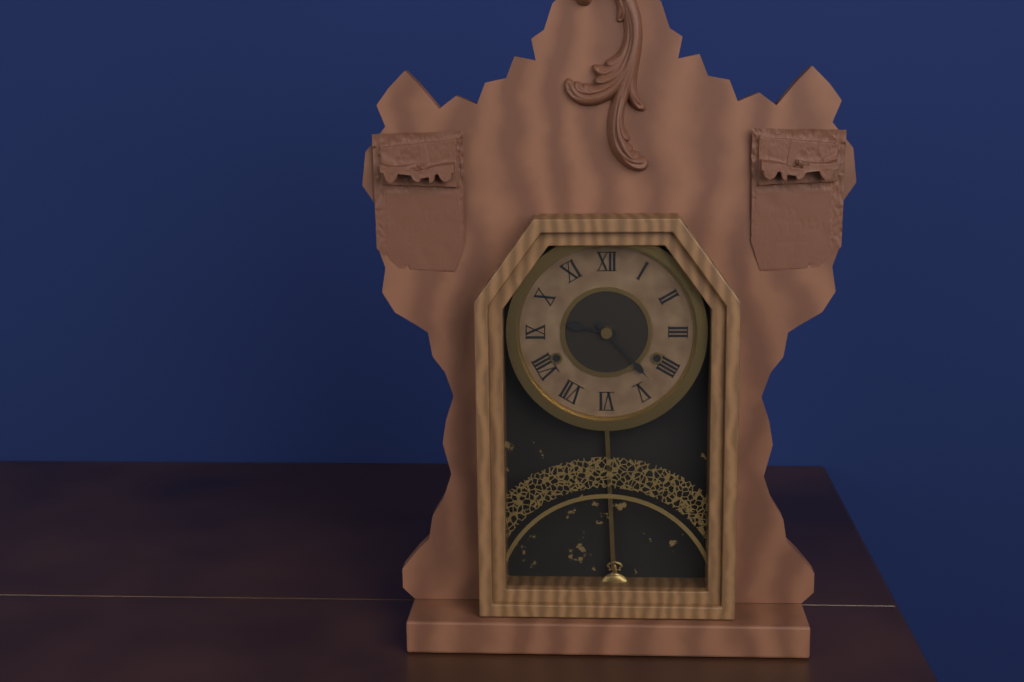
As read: {"hour": 9, "minute": 23}
